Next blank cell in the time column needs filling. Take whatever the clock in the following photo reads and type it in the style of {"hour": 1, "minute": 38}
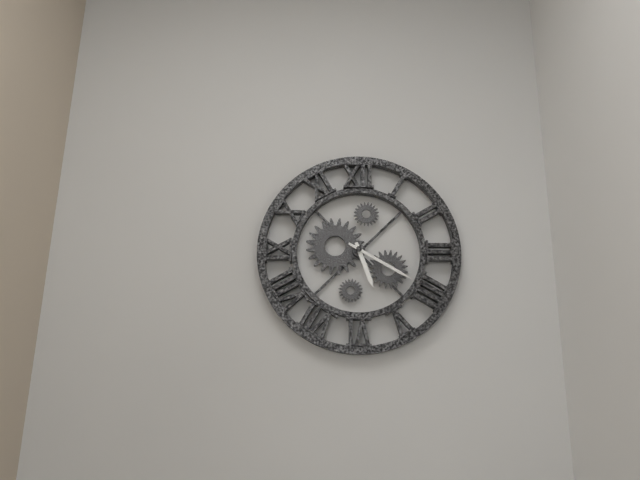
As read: {"hour": 5, "minute": 20}
